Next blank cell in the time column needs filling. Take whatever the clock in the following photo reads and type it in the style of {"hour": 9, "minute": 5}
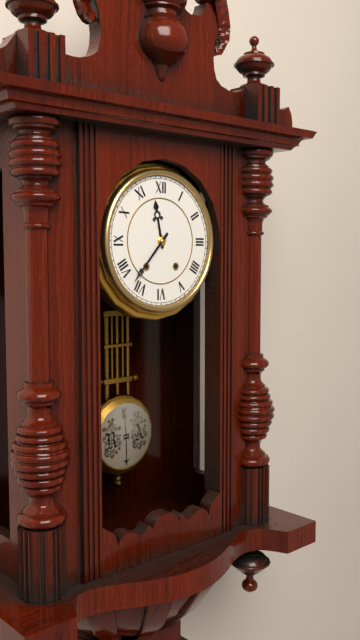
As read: {"hour": 11, "minute": 37}
